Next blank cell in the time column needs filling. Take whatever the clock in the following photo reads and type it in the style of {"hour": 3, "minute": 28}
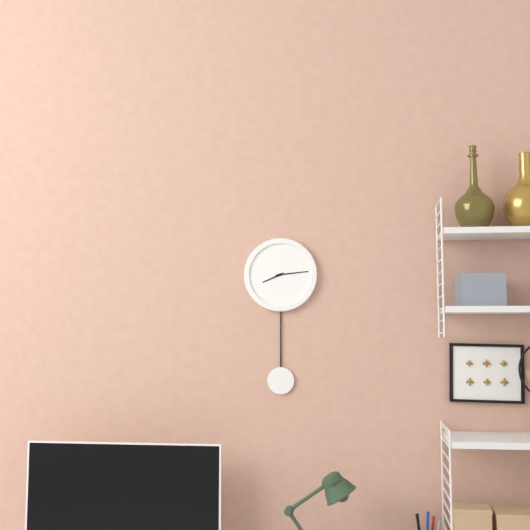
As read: {"hour": 8, "minute": 14}
